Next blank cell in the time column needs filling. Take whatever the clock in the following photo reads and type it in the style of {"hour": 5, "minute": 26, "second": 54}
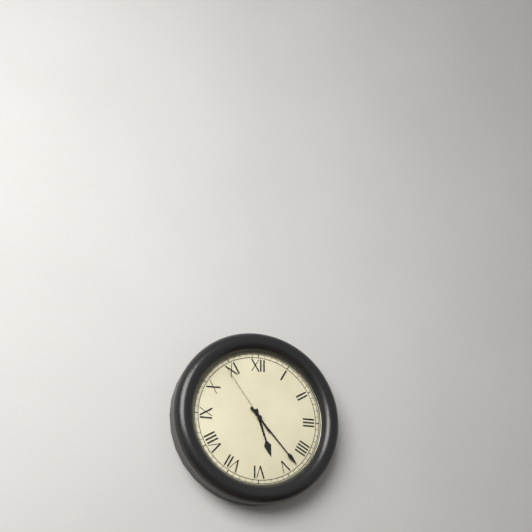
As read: {"hour": 5, "minute": 23, "second": 54}
